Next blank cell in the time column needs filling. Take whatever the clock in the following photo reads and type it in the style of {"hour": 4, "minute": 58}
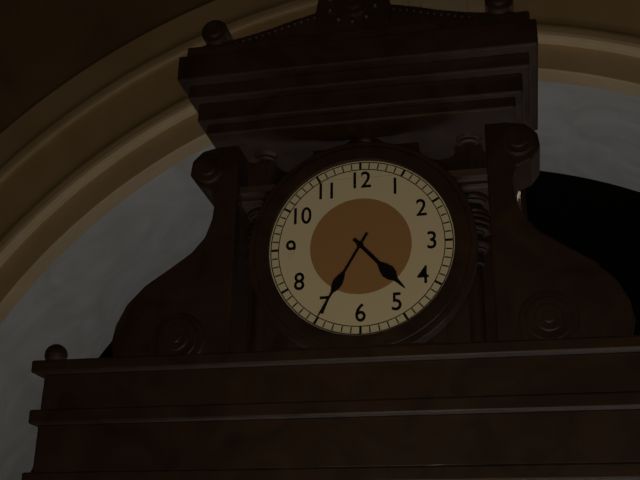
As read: {"hour": 4, "minute": 35}
